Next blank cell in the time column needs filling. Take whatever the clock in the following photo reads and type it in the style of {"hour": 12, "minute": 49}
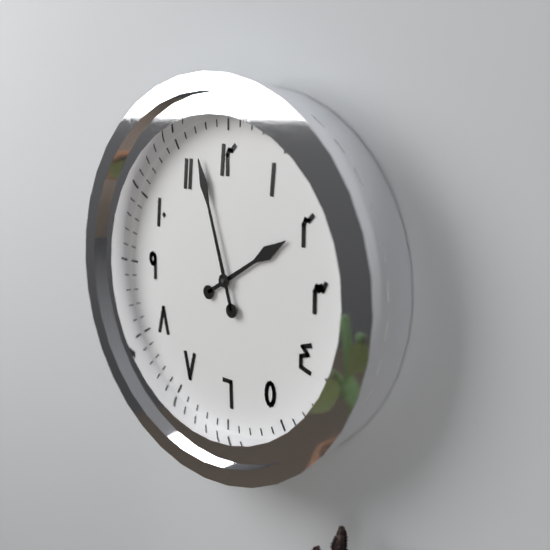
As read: {"hour": 1, "minute": 57}
